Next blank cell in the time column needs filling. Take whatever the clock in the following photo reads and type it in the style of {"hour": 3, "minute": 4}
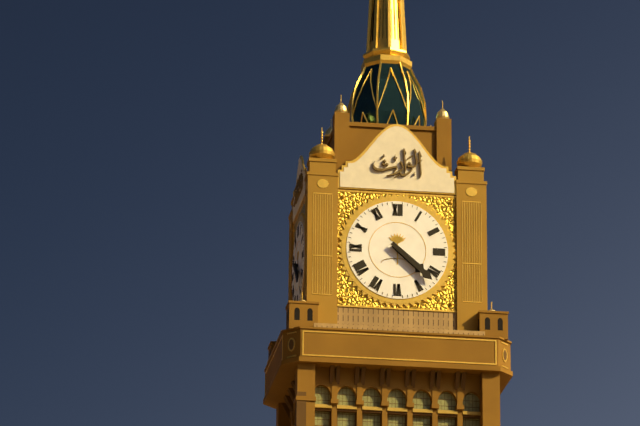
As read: {"hour": 4, "minute": 22}
